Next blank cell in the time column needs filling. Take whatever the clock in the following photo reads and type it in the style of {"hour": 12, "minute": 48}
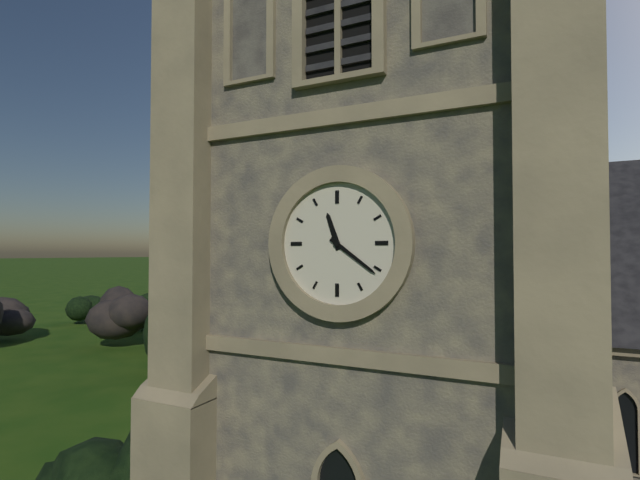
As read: {"hour": 11, "minute": 21}
